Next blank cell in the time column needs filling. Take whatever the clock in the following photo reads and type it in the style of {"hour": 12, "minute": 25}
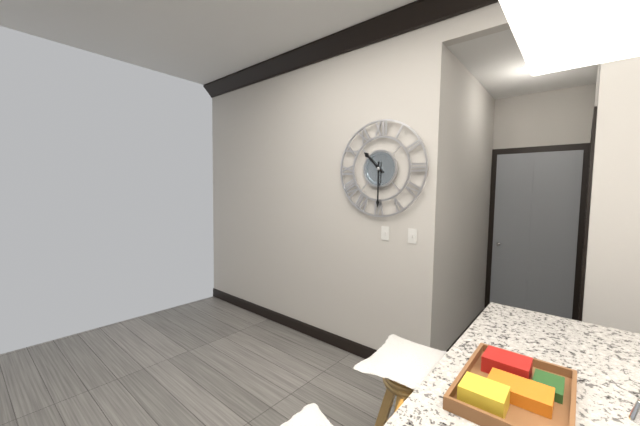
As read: {"hour": 10, "minute": 30}
